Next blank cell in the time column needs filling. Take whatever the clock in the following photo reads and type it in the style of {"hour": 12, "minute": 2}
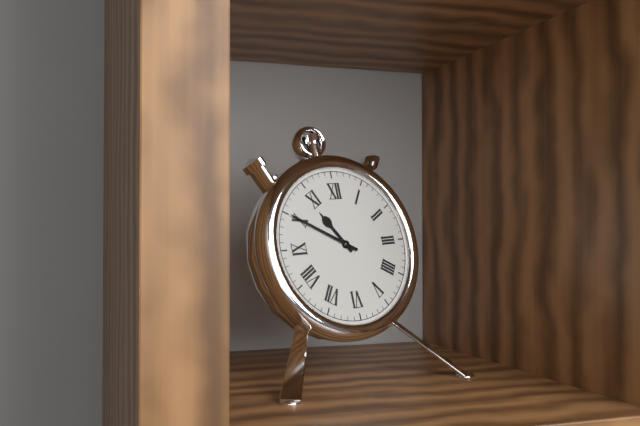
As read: {"hour": 10, "minute": 50}
